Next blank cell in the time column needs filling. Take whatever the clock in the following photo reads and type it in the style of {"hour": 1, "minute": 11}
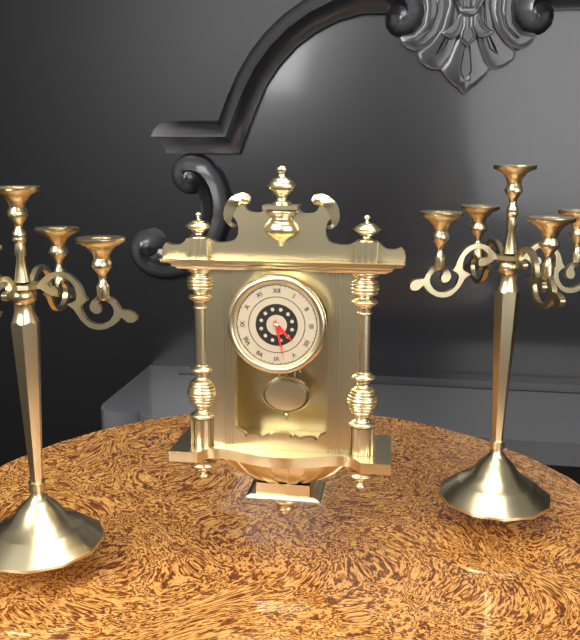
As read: {"hour": 4, "minute": 28}
